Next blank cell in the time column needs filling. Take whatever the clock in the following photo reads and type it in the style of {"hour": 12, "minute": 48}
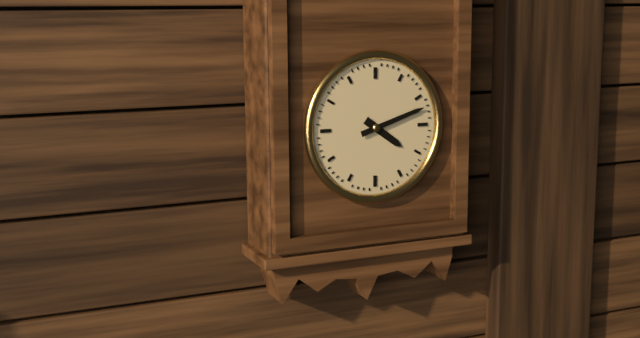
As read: {"hour": 4, "minute": 12}
